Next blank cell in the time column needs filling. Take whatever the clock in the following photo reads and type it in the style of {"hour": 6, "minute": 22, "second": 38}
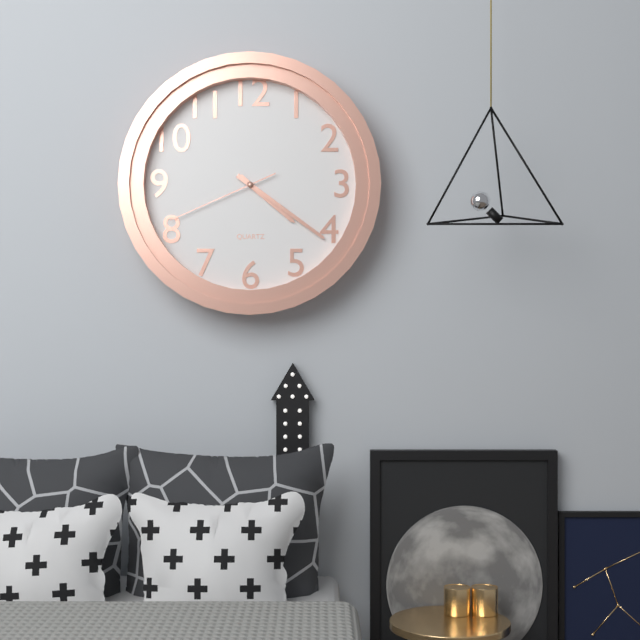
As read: {"hour": 4, "minute": 21, "second": 41}
